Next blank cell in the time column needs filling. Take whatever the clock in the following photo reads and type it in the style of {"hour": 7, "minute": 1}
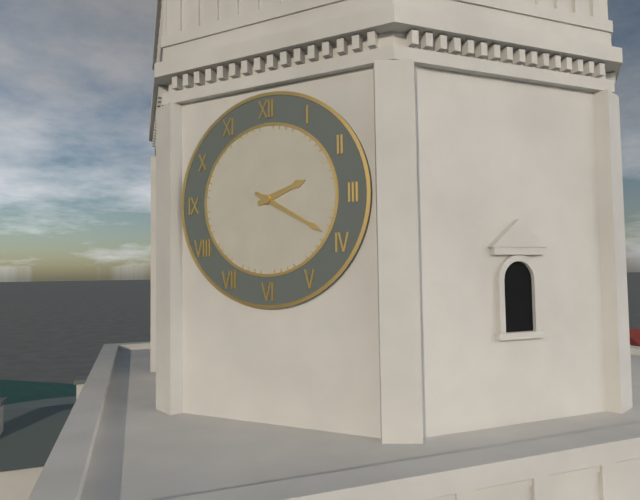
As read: {"hour": 2, "minute": 20}
